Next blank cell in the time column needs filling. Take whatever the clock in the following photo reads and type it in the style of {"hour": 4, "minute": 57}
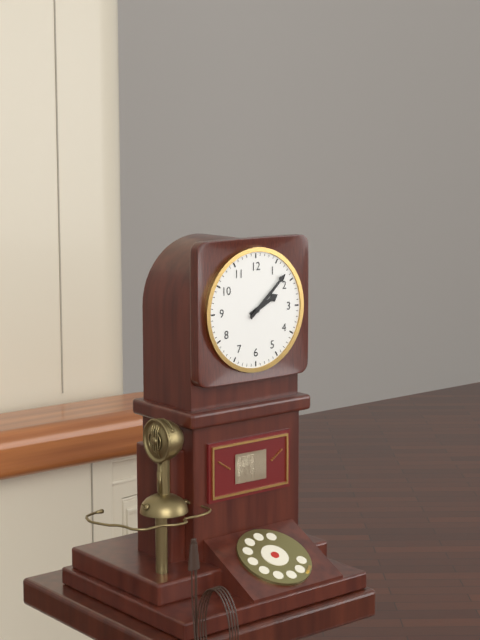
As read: {"hour": 2, "minute": 8}
